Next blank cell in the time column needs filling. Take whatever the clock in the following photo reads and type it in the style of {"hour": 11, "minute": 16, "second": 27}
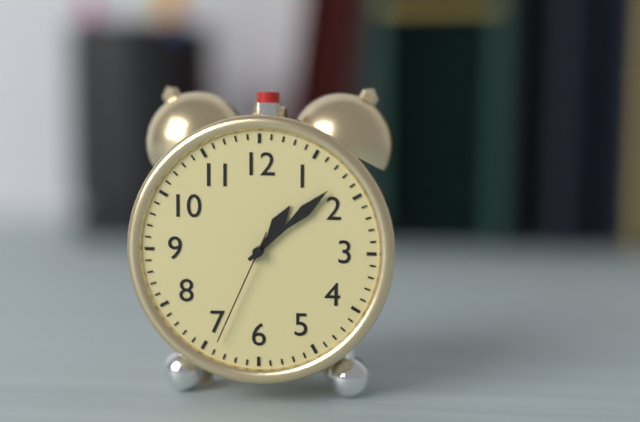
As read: {"hour": 1, "minute": 8, "second": 34}
